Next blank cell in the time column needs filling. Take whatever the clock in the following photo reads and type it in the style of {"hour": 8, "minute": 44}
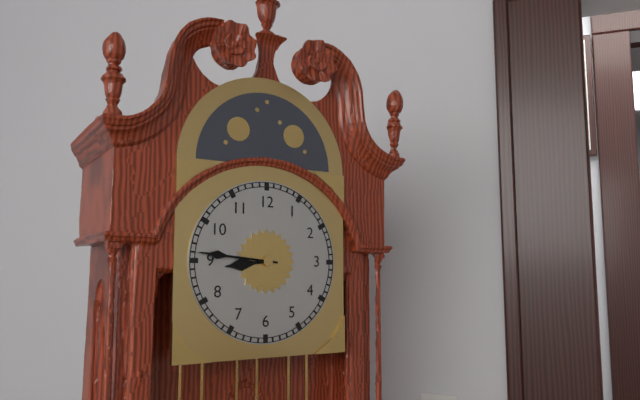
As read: {"hour": 8, "minute": 46}
